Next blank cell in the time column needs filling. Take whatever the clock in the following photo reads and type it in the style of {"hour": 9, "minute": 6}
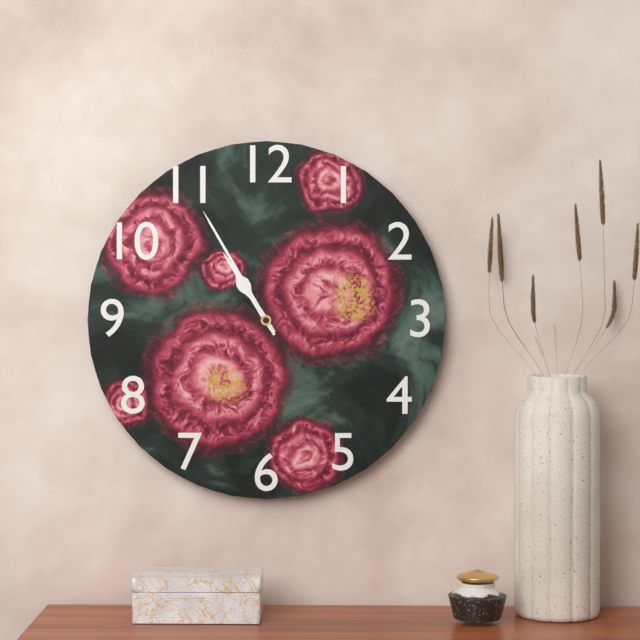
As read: {"hour": 10, "minute": 55}
